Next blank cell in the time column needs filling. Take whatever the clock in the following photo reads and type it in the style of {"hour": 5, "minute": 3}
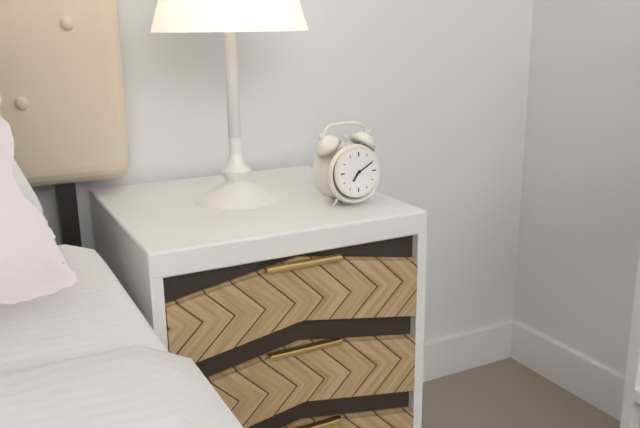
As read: {"hour": 7, "minute": 10}
